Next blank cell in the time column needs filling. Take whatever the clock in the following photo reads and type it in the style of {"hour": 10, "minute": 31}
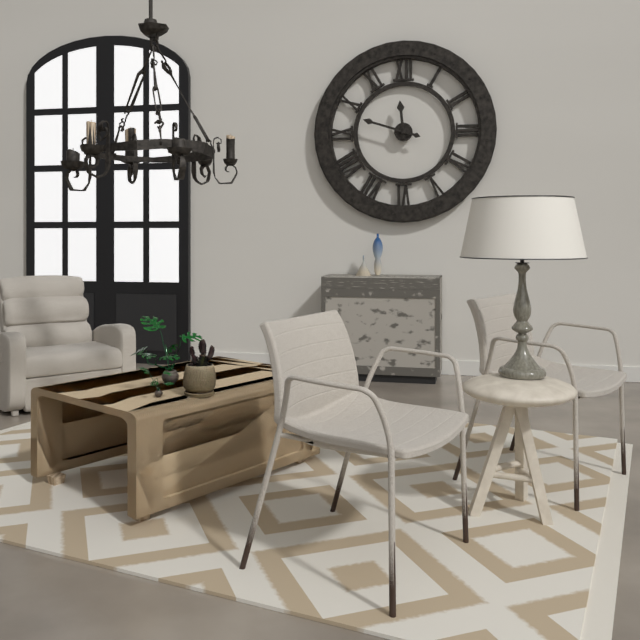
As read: {"hour": 11, "minute": 48}
